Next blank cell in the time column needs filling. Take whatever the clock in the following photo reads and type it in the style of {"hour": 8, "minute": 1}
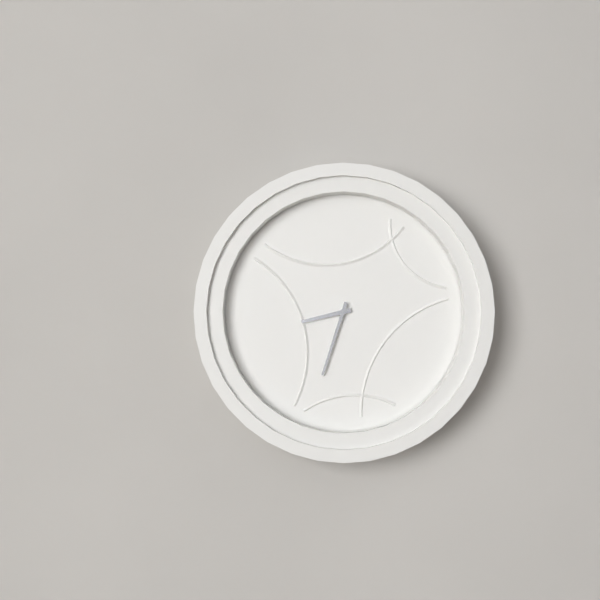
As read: {"hour": 8, "minute": 33}
